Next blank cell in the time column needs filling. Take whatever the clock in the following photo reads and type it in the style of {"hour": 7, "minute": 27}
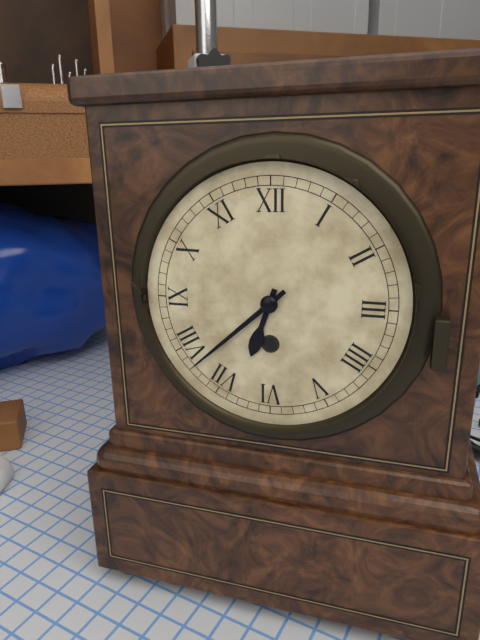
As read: {"hour": 6, "minute": 38}
